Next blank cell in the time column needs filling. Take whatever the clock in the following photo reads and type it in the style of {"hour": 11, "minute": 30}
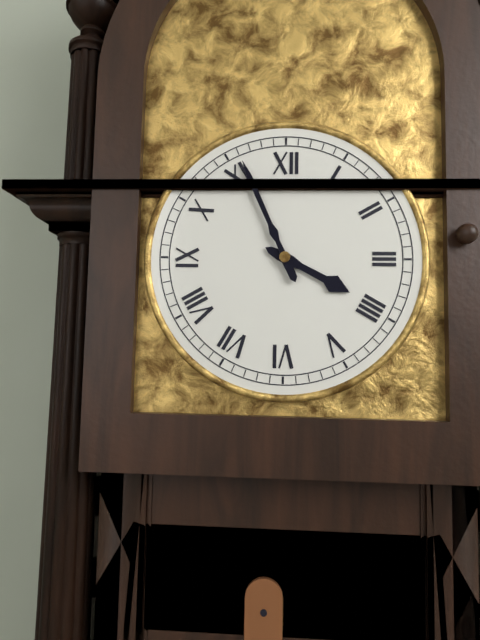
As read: {"hour": 3, "minute": 56}
